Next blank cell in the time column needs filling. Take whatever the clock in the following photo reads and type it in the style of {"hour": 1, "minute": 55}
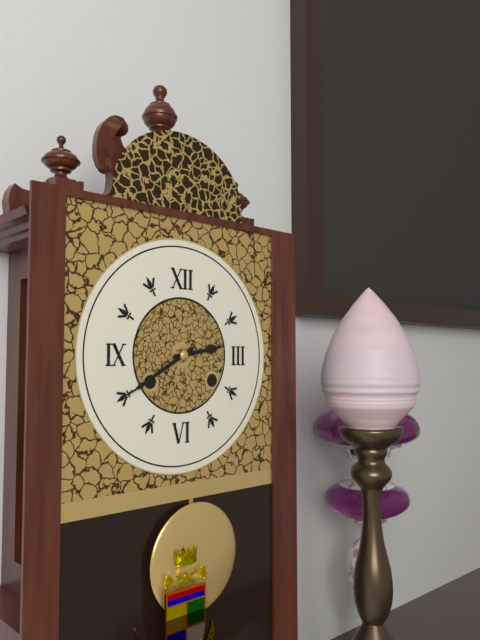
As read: {"hour": 2, "minute": 40}
